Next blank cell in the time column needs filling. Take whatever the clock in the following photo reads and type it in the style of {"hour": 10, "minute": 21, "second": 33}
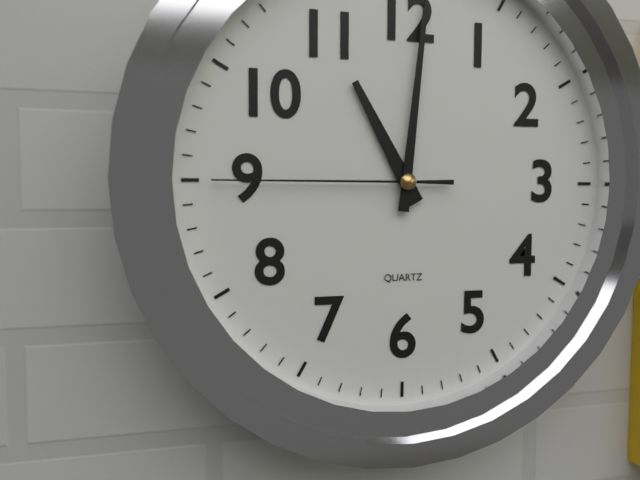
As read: {"hour": 11, "minute": 1, "second": 45}
